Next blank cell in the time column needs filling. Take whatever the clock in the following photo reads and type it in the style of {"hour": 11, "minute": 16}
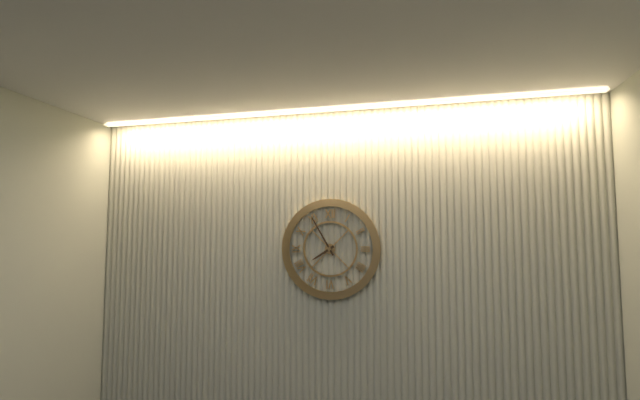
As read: {"hour": 7, "minute": 55}
